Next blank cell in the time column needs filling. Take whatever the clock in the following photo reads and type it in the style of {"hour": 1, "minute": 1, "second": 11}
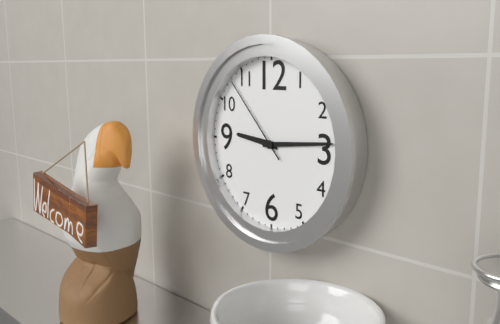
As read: {"hour": 9, "minute": 14, "second": 53}
